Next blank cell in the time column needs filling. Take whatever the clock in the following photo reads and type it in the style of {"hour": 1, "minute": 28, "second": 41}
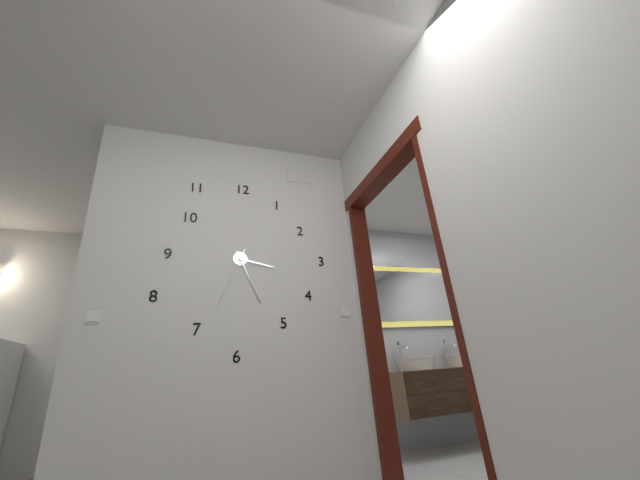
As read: {"hour": 3, "minute": 26, "second": 34}
